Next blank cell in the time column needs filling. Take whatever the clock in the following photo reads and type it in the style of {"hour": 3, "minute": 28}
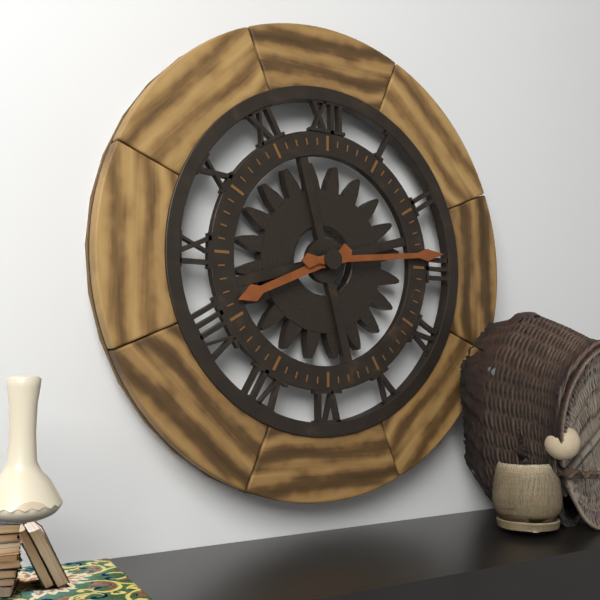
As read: {"hour": 8, "minute": 14}
